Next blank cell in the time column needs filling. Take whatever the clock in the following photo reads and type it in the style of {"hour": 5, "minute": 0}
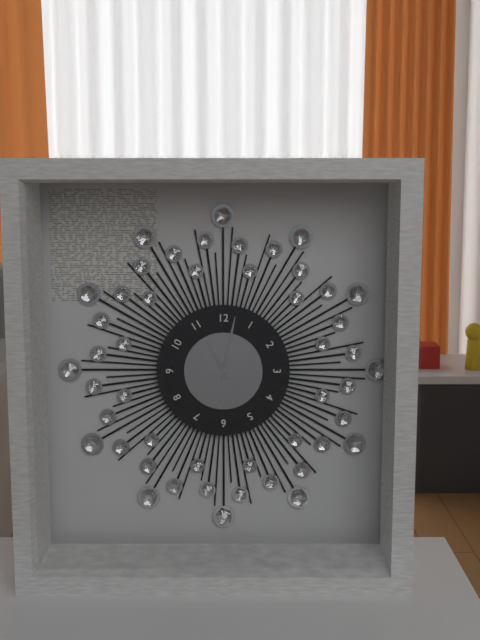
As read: {"hour": 11, "minute": 2}
